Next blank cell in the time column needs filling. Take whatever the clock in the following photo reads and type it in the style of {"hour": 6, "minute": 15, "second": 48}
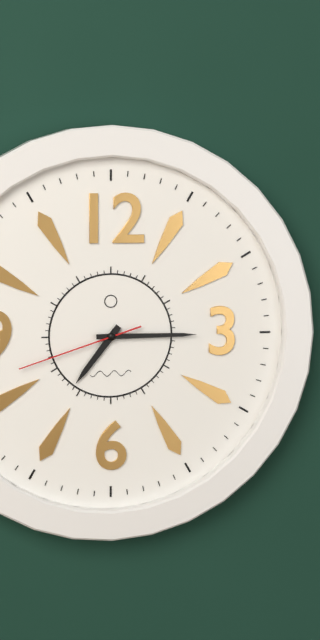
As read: {"hour": 7, "minute": 15, "second": 42}
